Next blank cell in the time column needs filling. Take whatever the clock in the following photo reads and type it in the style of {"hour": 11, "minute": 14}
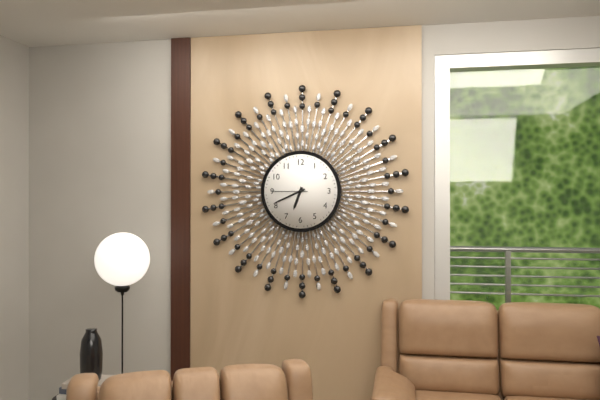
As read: {"hour": 6, "minute": 41}
